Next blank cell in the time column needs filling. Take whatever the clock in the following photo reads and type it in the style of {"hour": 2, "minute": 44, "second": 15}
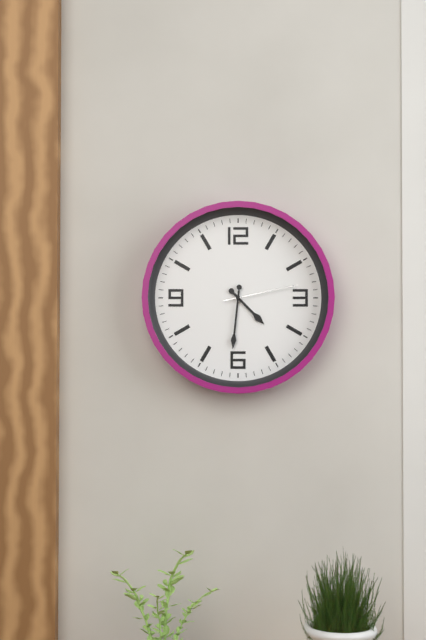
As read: {"hour": 4, "minute": 31, "second": 13}
